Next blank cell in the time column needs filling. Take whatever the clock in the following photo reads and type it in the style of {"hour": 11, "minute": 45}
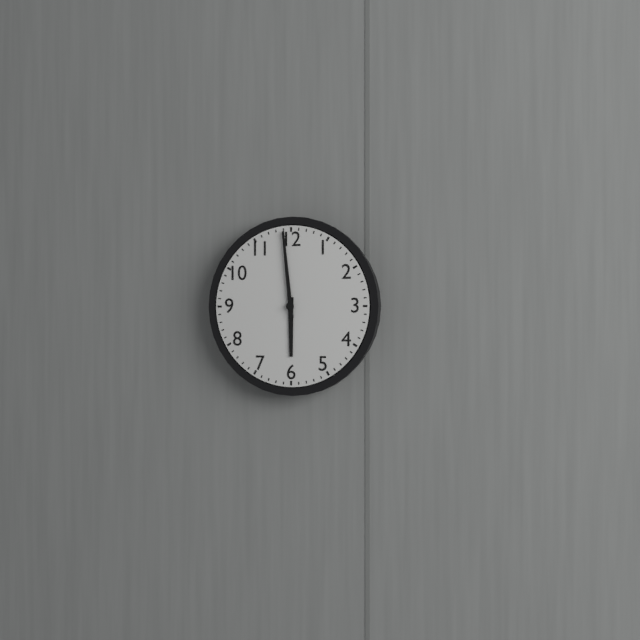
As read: {"hour": 5, "minute": 59}
